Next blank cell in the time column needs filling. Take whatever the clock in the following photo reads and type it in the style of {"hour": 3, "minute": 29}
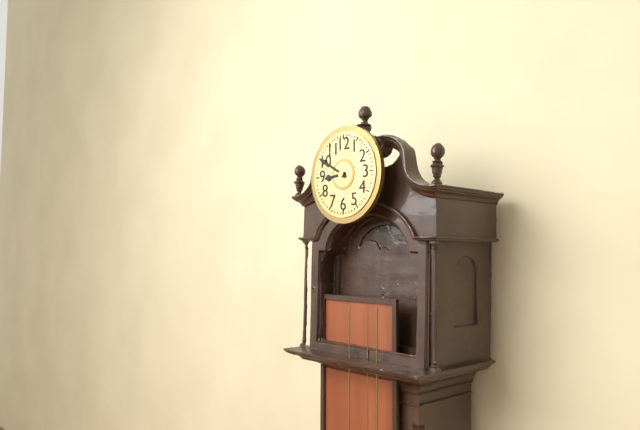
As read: {"hour": 8, "minute": 50}
